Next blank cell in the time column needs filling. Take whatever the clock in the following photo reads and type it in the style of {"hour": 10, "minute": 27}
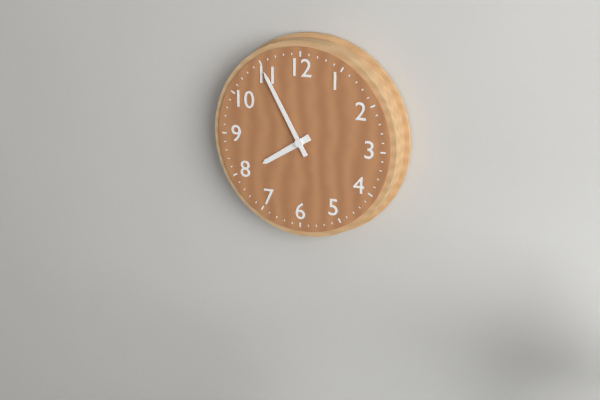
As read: {"hour": 7, "minute": 55}
